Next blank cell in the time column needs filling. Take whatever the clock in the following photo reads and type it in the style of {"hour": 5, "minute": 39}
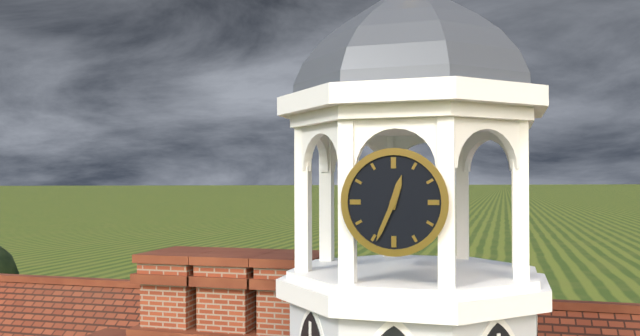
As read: {"hour": 12, "minute": 34}
